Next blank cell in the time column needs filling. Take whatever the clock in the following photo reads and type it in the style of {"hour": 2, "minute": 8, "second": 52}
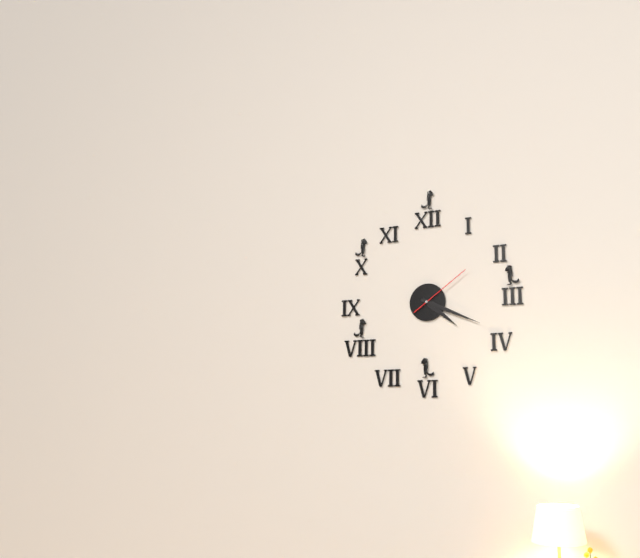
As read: {"hour": 4, "minute": 19, "second": 9}
